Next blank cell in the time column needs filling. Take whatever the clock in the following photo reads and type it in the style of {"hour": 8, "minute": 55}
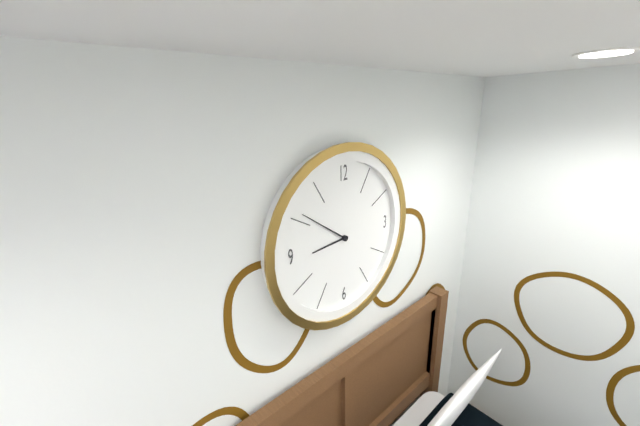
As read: {"hour": 8, "minute": 51}
